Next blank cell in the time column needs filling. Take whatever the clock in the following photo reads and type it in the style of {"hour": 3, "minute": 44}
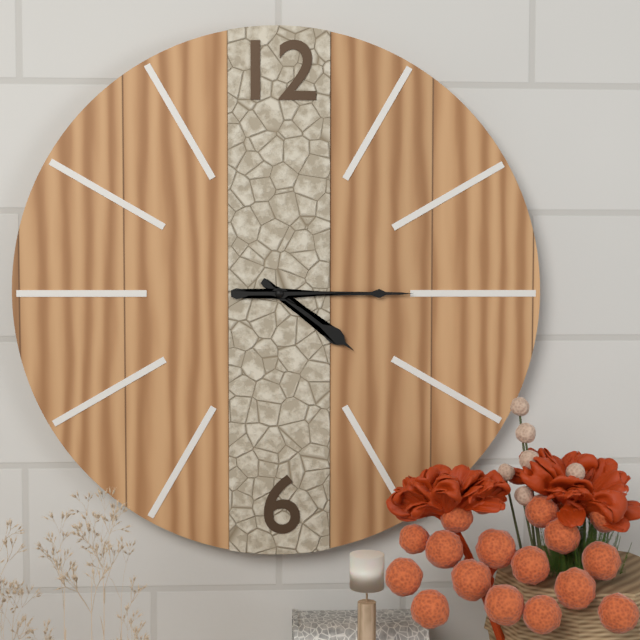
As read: {"hour": 4, "minute": 15}
